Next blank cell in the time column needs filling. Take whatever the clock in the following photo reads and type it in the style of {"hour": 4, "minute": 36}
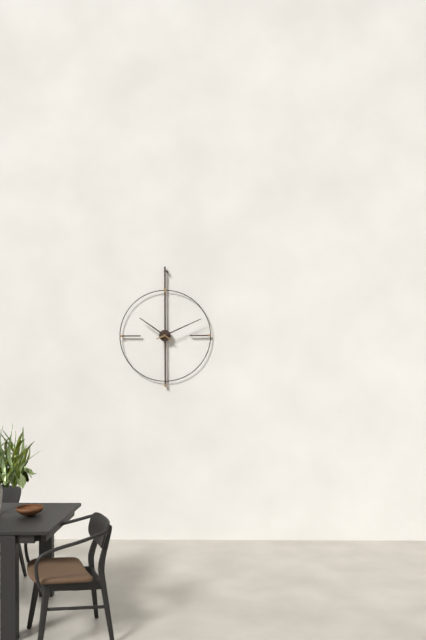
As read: {"hour": 10, "minute": 11}
